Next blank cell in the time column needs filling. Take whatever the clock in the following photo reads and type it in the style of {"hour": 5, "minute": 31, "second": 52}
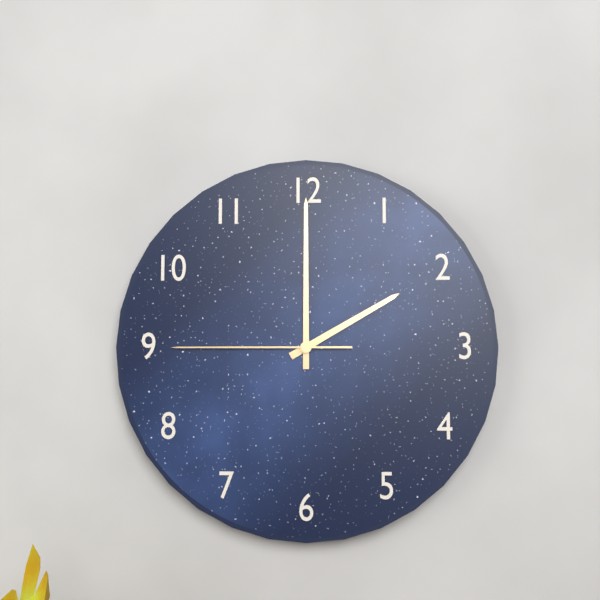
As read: {"hour": 2, "minute": 0, "second": 45}
